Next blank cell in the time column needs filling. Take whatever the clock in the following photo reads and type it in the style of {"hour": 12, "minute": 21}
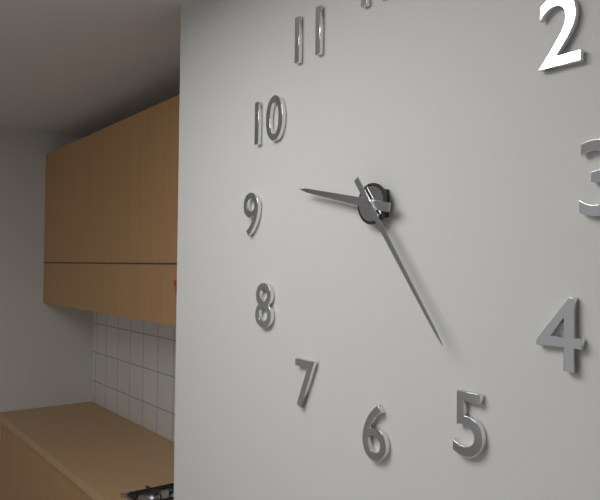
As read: {"hour": 9, "minute": 24}
